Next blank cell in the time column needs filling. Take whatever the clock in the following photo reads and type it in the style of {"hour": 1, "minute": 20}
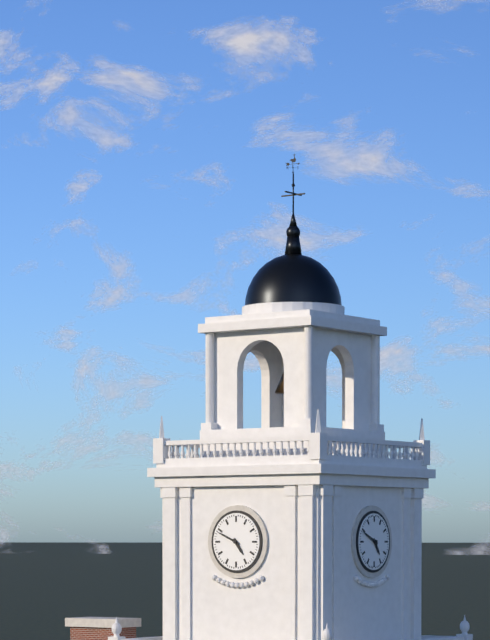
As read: {"hour": 4, "minute": 49}
